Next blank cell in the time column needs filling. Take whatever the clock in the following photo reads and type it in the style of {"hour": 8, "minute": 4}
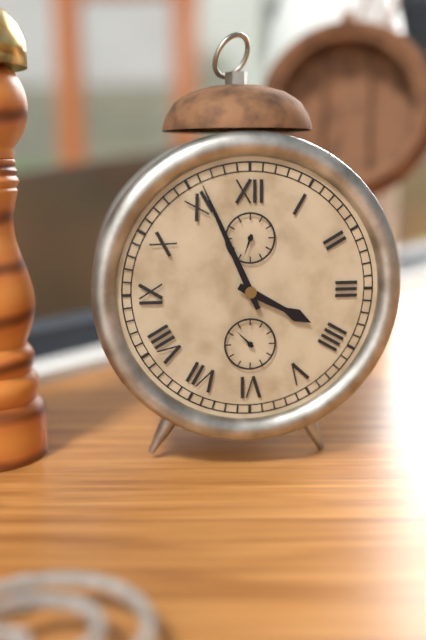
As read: {"hour": 3, "minute": 56}
